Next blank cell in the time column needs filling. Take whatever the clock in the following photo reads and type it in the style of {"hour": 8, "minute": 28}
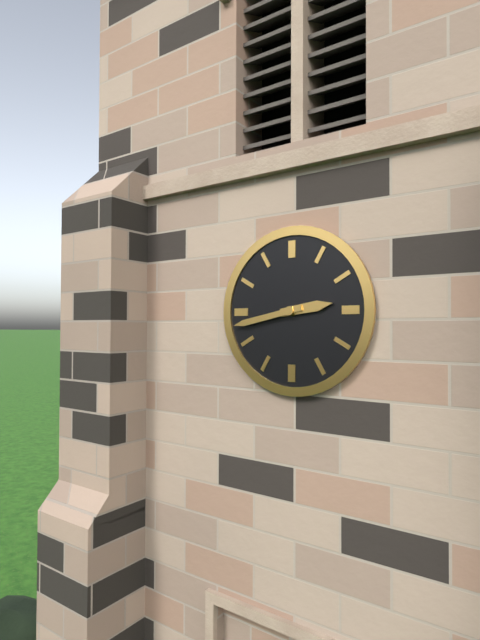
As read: {"hour": 2, "minute": 43}
